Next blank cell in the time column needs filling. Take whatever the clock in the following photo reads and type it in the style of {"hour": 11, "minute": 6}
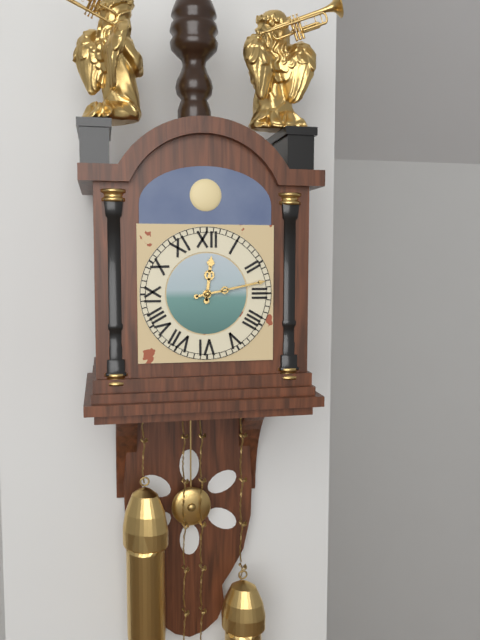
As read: {"hour": 12, "minute": 13}
